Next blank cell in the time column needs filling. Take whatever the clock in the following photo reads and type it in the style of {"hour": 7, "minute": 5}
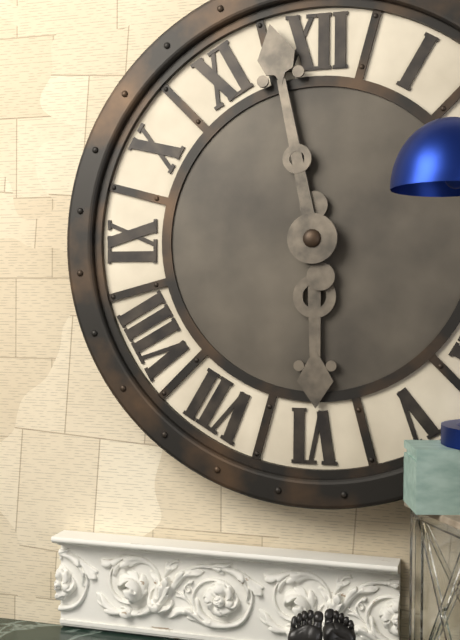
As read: {"hour": 5, "minute": 58}
